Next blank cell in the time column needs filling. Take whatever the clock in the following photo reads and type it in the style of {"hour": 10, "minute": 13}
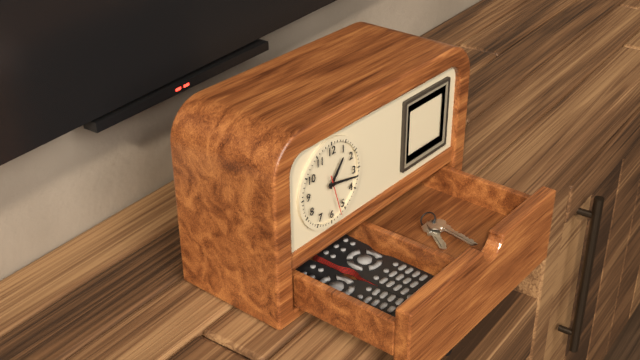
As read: {"hour": 1, "minute": 17}
